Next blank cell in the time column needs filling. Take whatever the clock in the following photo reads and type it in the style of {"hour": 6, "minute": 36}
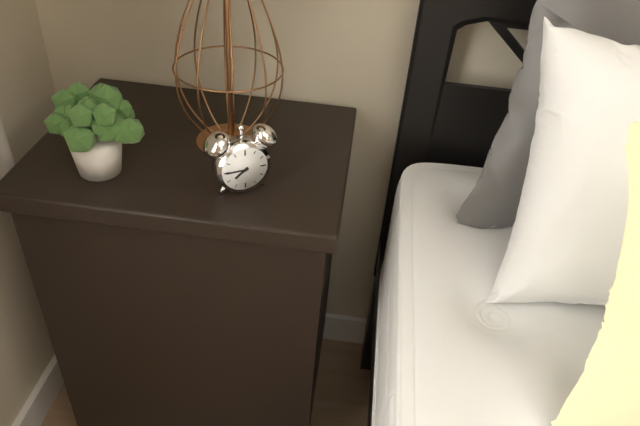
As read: {"hour": 7, "minute": 45}
